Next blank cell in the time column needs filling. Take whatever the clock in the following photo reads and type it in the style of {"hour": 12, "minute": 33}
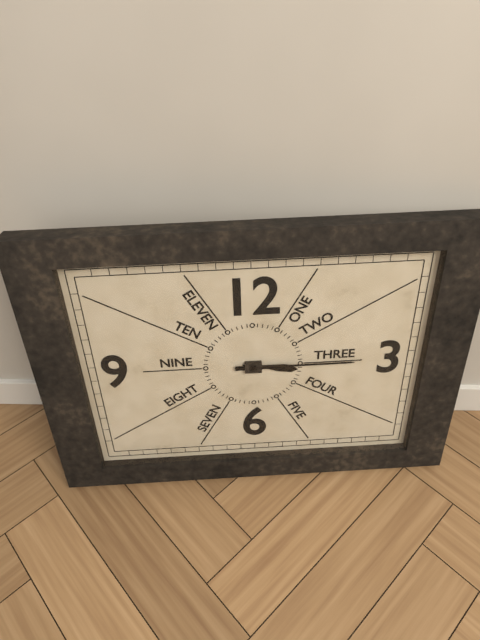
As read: {"hour": 3, "minute": 15}
